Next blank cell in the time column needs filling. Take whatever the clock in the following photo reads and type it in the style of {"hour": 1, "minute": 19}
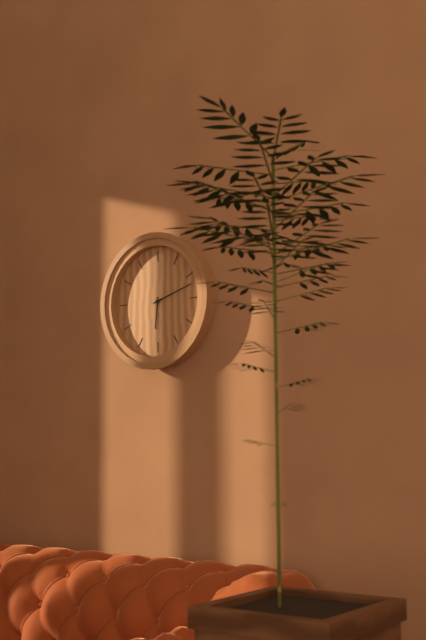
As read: {"hour": 6, "minute": 12}
